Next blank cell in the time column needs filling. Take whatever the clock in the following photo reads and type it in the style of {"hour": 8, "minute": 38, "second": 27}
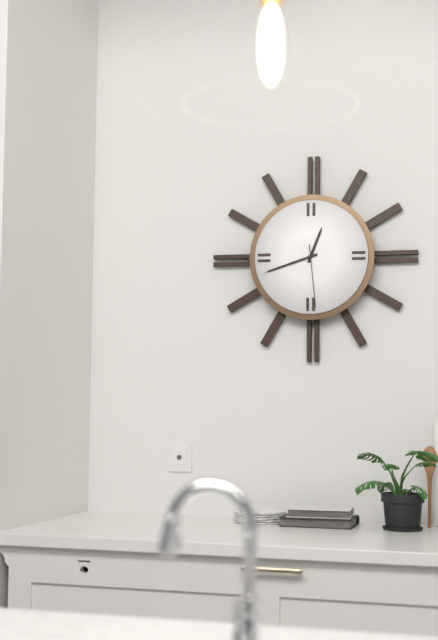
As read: {"hour": 12, "minute": 42, "second": 29}
